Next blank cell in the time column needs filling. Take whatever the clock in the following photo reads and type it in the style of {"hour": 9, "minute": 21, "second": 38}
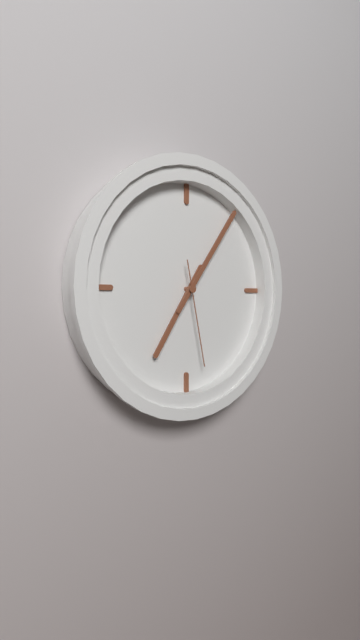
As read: {"hour": 7, "minute": 6, "second": 28}
